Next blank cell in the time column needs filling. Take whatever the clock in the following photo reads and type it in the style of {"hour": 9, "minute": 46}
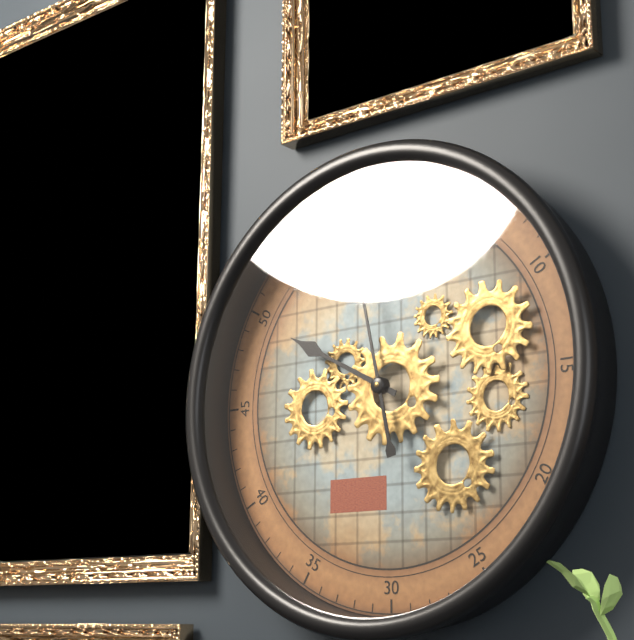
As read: {"hour": 9, "minute": 58}
